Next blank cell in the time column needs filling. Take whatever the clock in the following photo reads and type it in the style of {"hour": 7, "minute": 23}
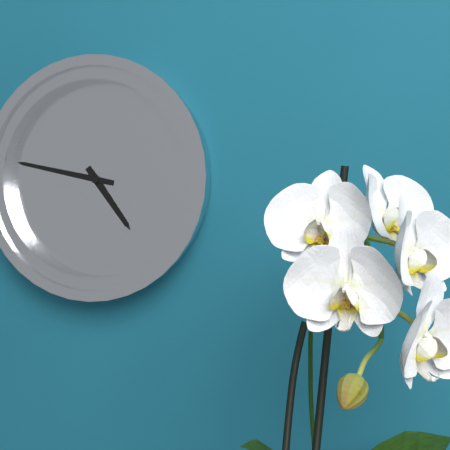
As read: {"hour": 4, "minute": 47}
